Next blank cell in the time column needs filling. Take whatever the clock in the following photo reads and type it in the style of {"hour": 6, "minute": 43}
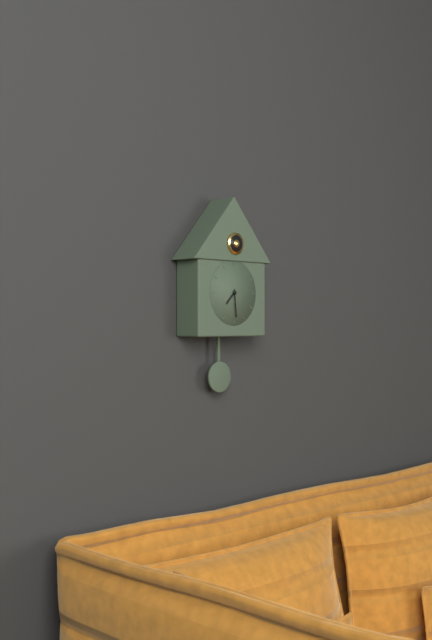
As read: {"hour": 7, "minute": 29}
